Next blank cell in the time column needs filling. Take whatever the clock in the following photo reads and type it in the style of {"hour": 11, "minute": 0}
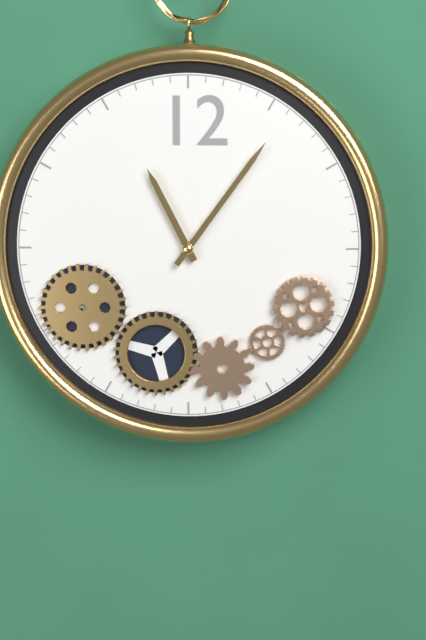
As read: {"hour": 11, "minute": 6}
